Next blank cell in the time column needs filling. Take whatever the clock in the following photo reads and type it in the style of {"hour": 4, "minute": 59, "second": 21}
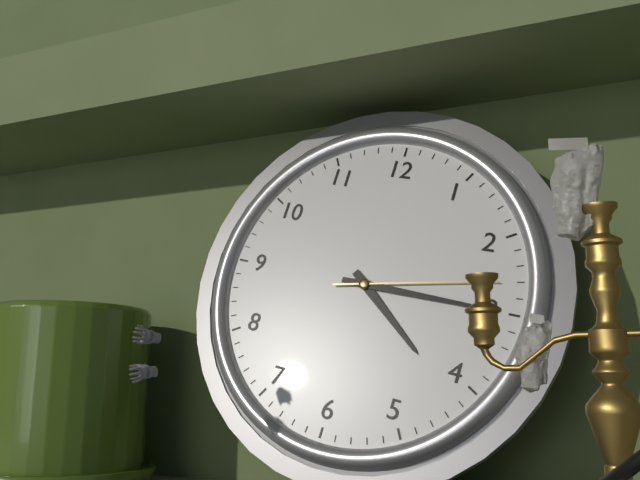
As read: {"hour": 4, "minute": 15, "second": 13}
